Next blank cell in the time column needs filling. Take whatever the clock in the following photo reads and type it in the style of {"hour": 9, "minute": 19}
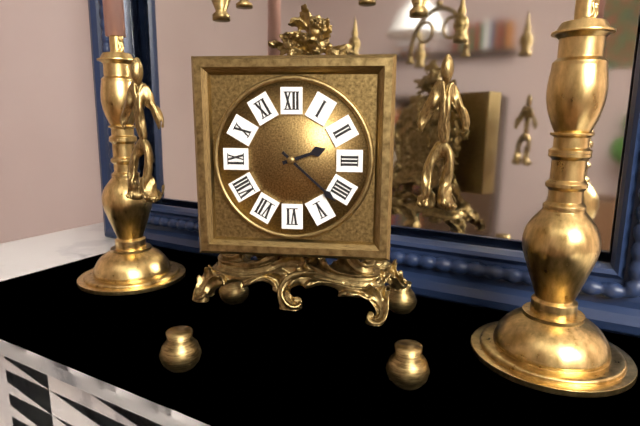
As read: {"hour": 2, "minute": 22}
